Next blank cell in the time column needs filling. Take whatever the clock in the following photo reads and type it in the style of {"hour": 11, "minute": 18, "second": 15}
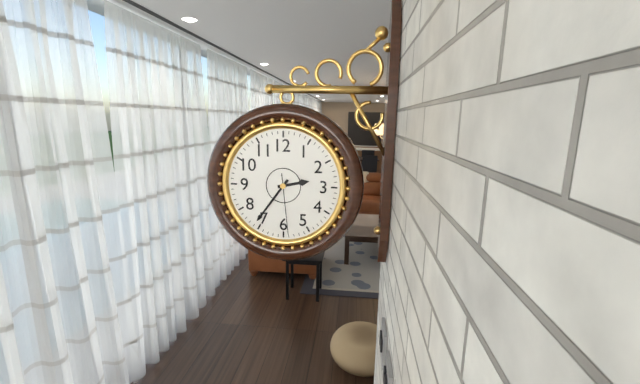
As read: {"hour": 2, "minute": 36, "second": 29}
